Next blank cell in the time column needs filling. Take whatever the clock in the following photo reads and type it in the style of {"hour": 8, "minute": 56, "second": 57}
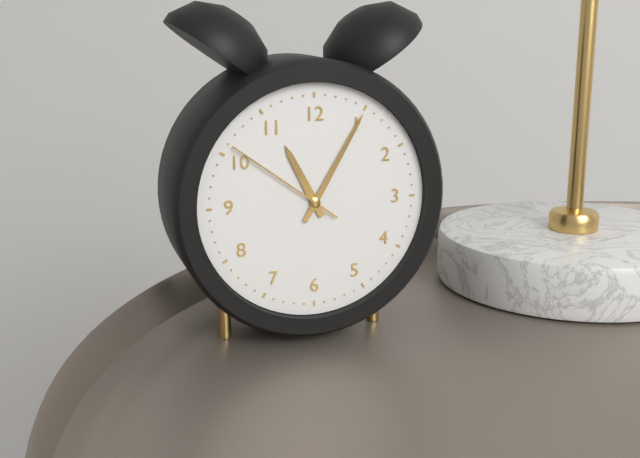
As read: {"hour": 11, "minute": 5, "second": 51}
